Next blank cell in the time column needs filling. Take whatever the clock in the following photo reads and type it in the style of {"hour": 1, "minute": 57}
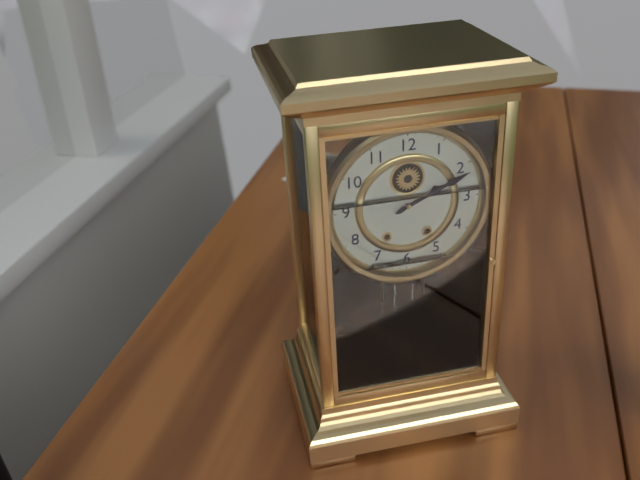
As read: {"hour": 2, "minute": 11}
